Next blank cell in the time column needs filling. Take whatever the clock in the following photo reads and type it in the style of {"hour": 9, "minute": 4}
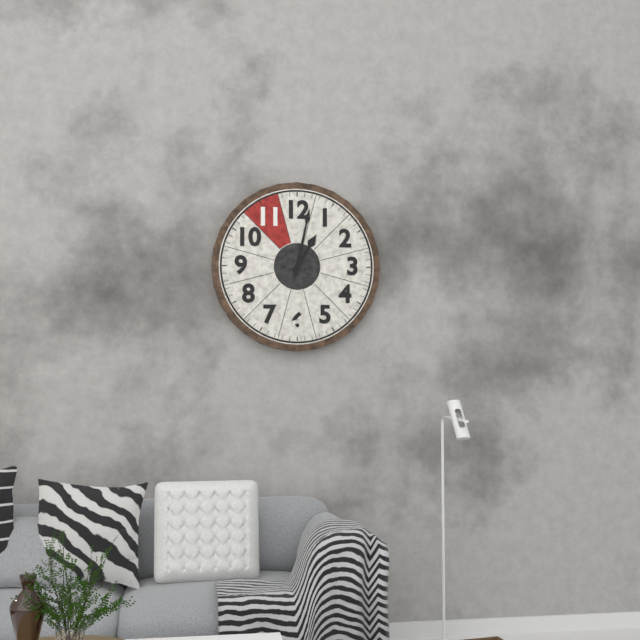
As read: {"hour": 1, "minute": 2}
